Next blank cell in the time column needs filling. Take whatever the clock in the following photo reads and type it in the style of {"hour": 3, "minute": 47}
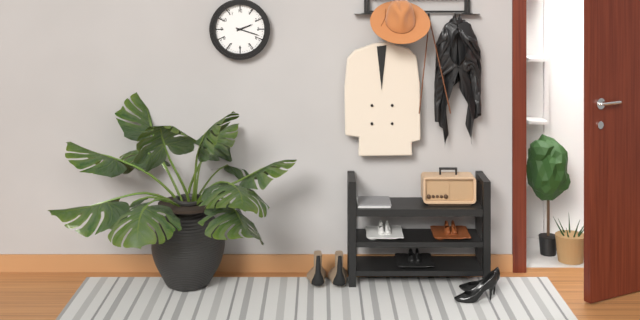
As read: {"hour": 2, "minute": 18}
